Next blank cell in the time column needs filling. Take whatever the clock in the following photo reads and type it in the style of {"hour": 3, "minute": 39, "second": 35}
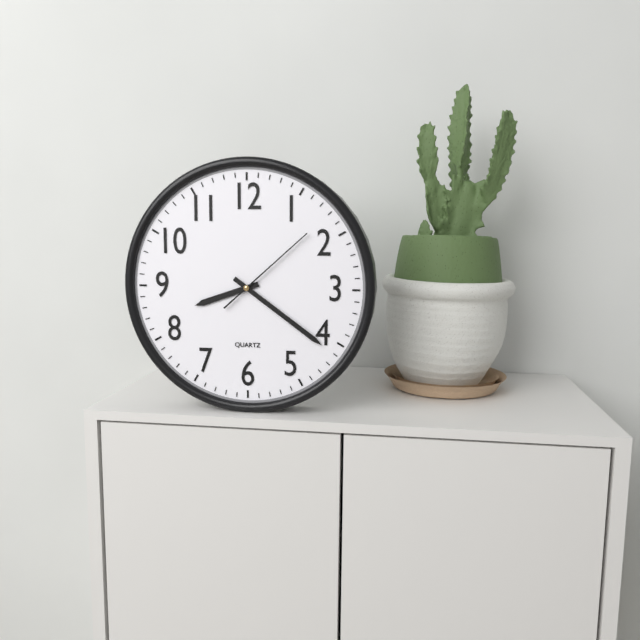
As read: {"hour": 8, "minute": 21, "second": 8}
